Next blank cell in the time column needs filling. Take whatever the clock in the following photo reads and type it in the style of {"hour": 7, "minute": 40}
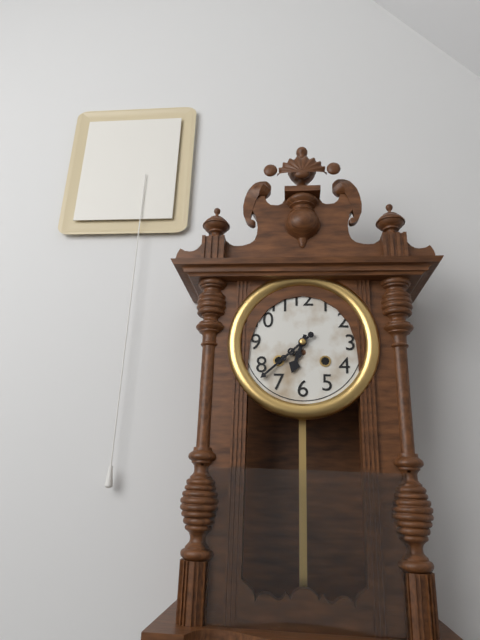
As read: {"hour": 6, "minute": 38}
